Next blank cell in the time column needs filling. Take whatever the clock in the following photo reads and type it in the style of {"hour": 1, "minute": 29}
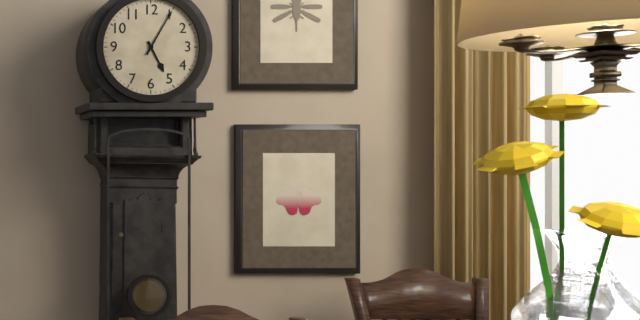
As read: {"hour": 5, "minute": 5}
